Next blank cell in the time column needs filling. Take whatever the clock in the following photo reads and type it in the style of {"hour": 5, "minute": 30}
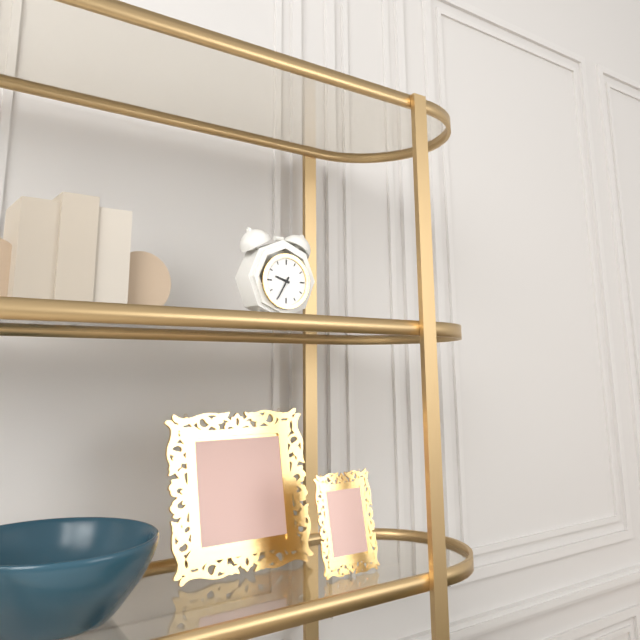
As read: {"hour": 9, "minute": 35}
